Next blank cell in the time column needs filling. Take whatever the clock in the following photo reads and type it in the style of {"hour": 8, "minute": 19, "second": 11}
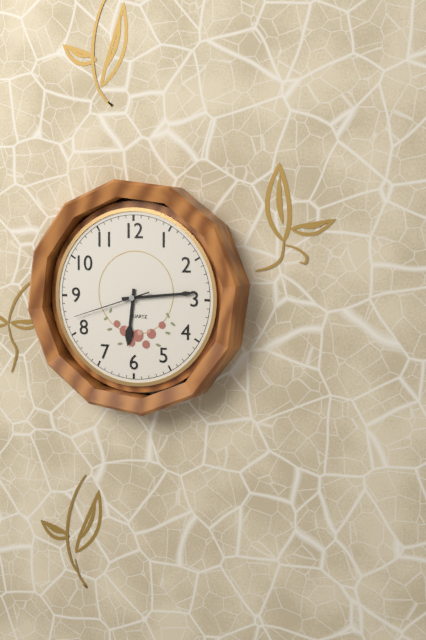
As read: {"hour": 6, "minute": 14, "second": 42}
